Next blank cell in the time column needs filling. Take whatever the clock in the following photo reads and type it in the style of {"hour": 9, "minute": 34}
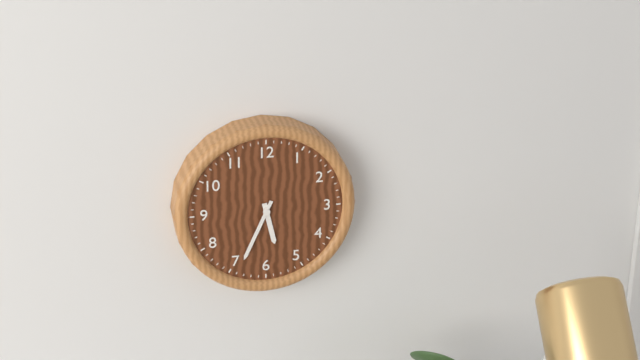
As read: {"hour": 5, "minute": 34}
